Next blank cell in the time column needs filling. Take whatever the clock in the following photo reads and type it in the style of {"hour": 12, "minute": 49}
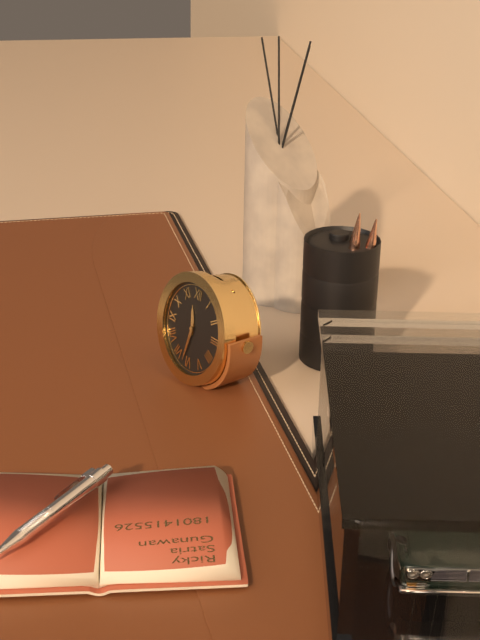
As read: {"hour": 11, "minute": 32}
